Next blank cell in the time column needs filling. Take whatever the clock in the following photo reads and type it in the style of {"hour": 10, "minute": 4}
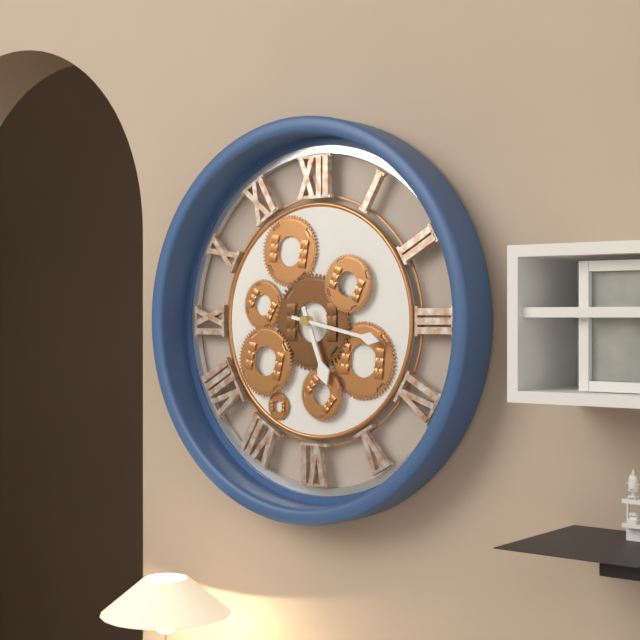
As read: {"hour": 5, "minute": 17}
